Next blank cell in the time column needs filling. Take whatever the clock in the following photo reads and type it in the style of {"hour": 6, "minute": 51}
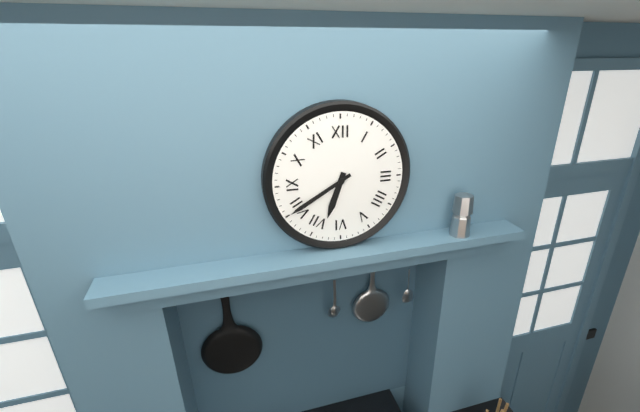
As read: {"hour": 6, "minute": 40}
